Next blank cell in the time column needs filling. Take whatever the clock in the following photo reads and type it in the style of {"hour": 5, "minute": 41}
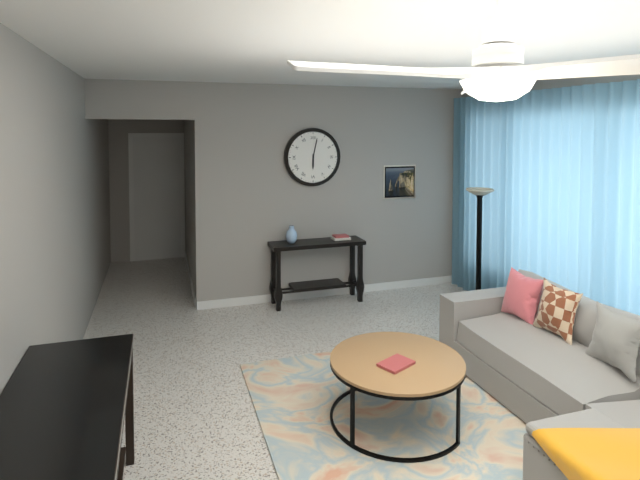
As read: {"hour": 6, "minute": 2}
